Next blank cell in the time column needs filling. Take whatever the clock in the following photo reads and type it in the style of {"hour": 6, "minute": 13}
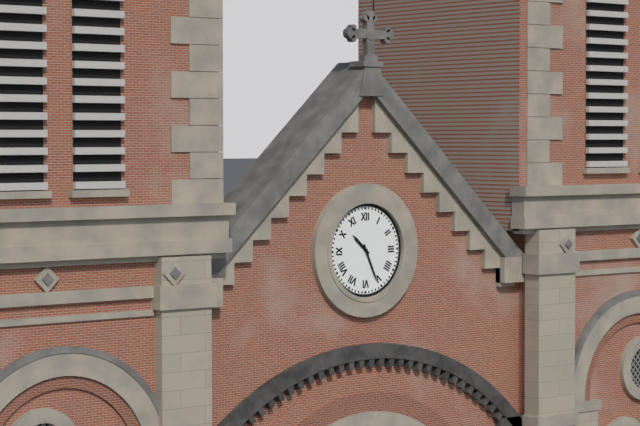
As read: {"hour": 10, "minute": 26}
